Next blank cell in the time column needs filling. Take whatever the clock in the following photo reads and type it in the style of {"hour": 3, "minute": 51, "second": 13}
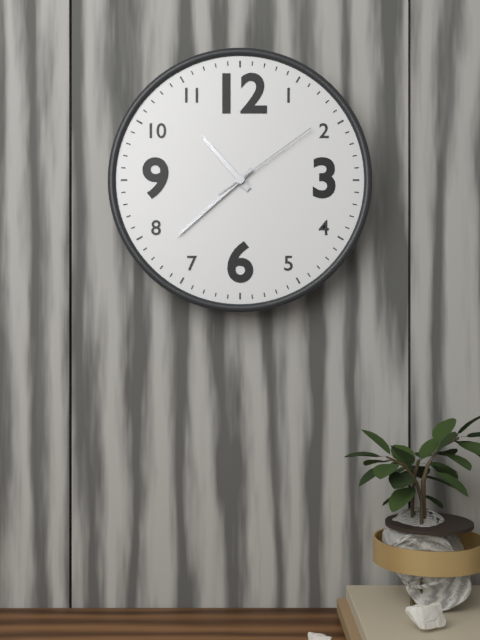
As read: {"hour": 10, "minute": 38, "second": 9}
